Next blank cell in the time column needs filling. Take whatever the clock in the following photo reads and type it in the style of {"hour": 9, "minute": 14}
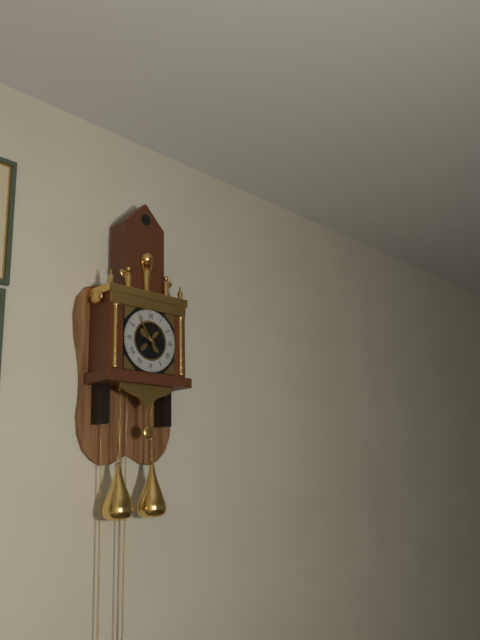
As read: {"hour": 9, "minute": 54}
